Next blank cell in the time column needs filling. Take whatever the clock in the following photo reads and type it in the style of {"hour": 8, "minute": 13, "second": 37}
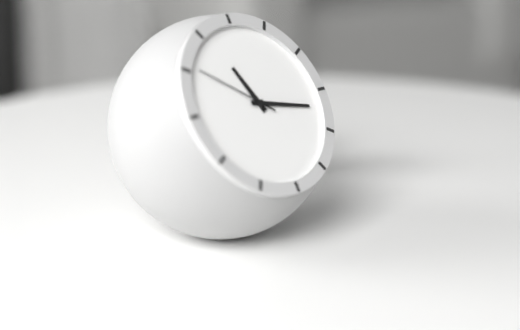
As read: {"hour": 11, "minute": 17, "second": 51}
